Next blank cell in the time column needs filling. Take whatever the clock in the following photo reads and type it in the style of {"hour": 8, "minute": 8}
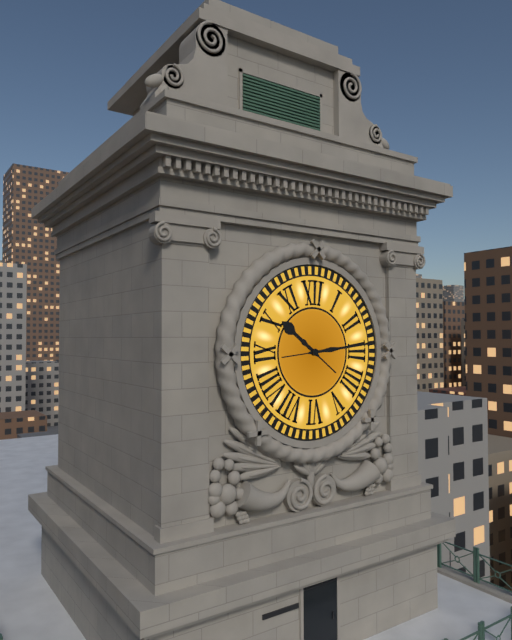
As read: {"hour": 10, "minute": 14}
